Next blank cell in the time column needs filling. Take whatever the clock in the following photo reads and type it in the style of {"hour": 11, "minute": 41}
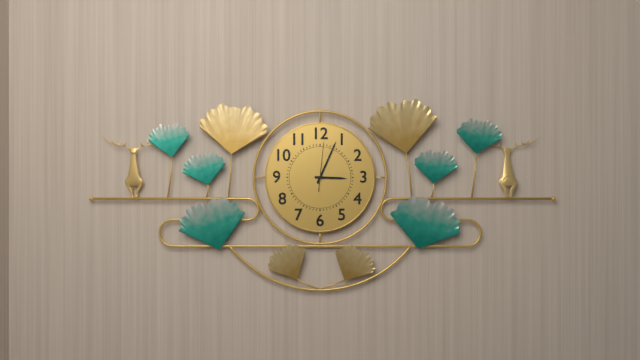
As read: {"hour": 3, "minute": 4}
